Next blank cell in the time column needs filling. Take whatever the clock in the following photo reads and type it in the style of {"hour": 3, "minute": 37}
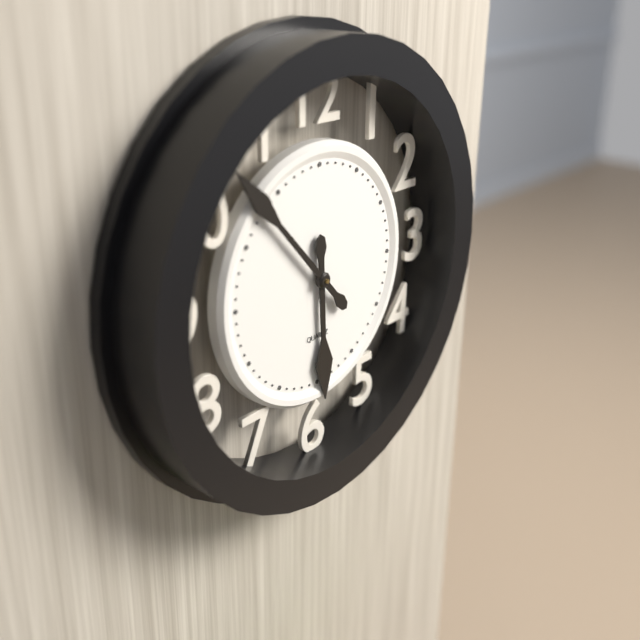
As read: {"hour": 5, "minute": 53}
